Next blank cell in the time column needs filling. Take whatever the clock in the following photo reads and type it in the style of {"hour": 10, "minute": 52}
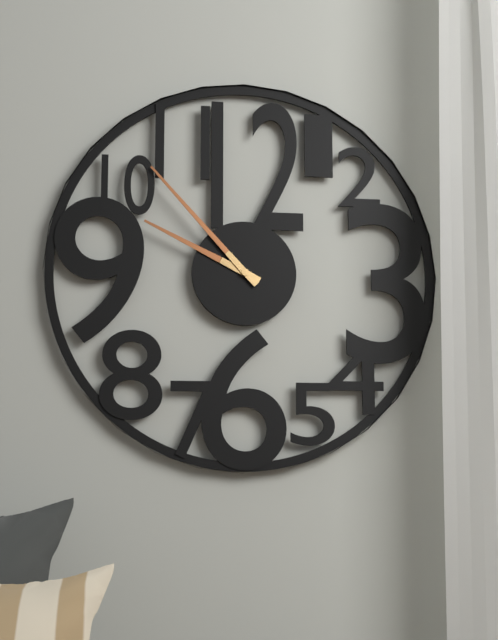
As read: {"hour": 9, "minute": 53}
